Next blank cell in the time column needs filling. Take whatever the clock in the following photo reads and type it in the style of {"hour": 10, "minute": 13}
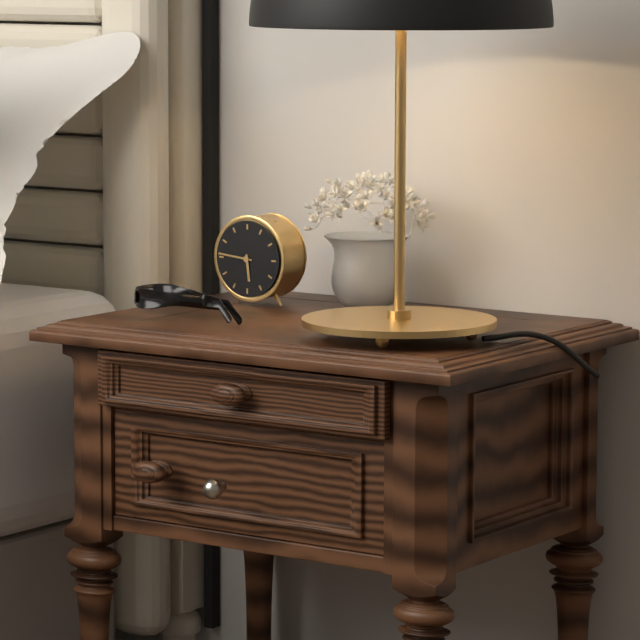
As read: {"hour": 5, "minute": 46}
